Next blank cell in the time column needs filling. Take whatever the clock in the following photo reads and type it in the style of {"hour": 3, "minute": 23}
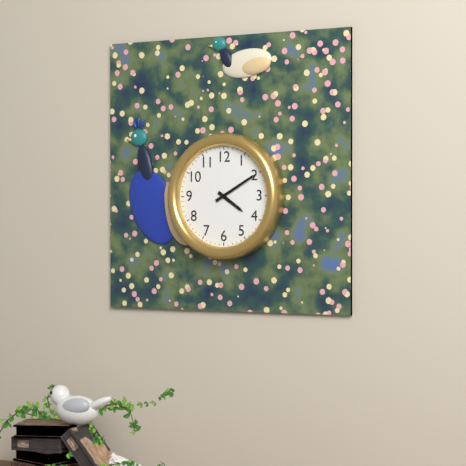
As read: {"hour": 4, "minute": 10}
